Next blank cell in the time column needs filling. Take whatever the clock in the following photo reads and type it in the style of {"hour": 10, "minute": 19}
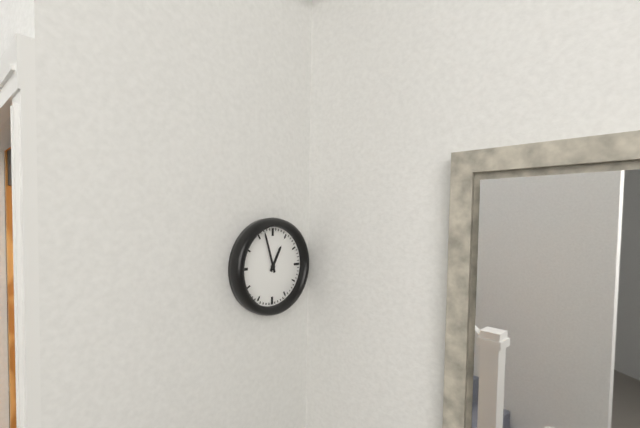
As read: {"hour": 12, "minute": 57}
